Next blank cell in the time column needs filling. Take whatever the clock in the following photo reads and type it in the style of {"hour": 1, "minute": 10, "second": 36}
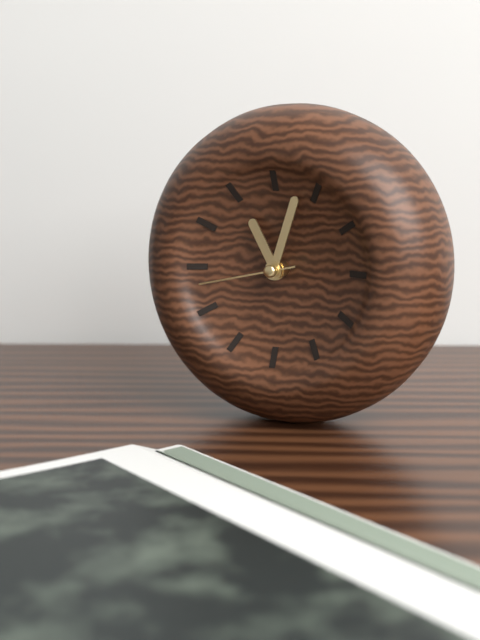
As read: {"hour": 11, "minute": 3, "second": 43}
